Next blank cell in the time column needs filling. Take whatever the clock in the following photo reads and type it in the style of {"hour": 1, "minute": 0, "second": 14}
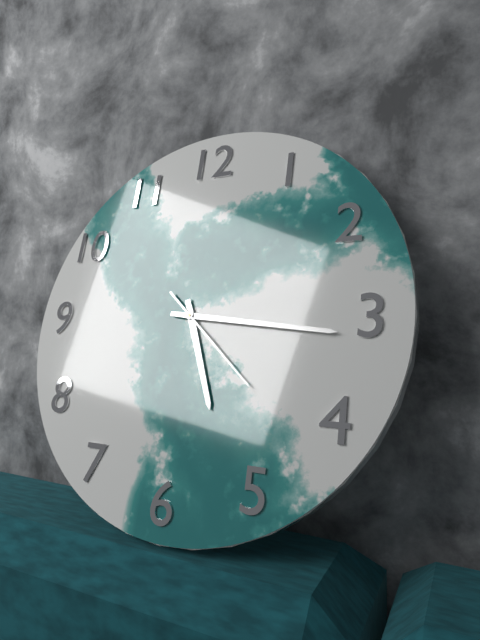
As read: {"hour": 5, "minute": 16, "second": 22}
